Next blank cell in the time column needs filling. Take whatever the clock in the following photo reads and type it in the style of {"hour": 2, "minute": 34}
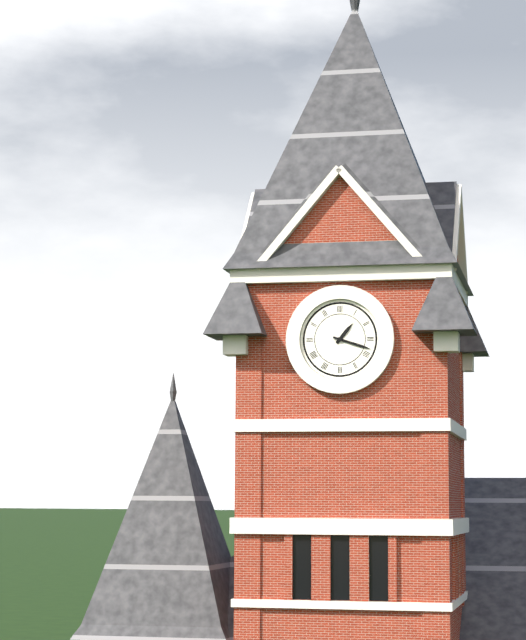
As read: {"hour": 1, "minute": 18}
